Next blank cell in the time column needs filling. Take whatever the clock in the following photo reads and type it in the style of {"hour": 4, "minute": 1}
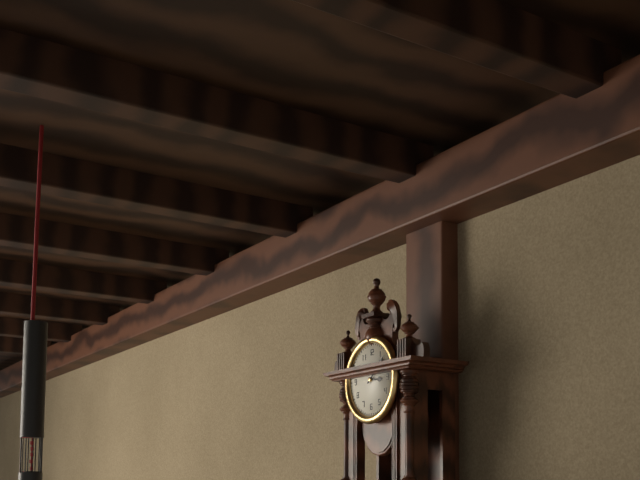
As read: {"hour": 3, "minute": 8}
